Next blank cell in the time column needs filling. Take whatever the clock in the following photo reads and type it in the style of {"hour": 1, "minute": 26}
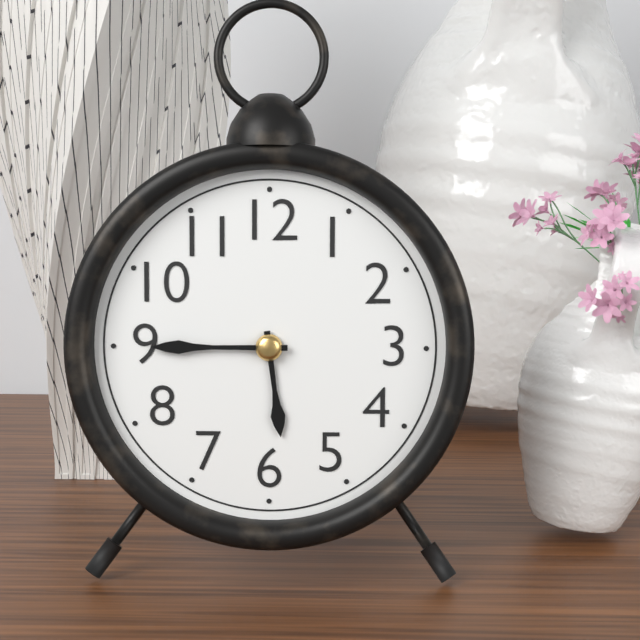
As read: {"hour": 5, "minute": 45}
